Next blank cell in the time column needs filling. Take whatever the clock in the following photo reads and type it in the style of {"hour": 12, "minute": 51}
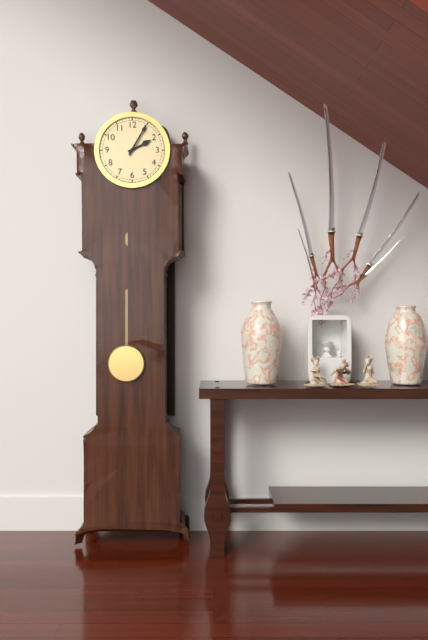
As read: {"hour": 2, "minute": 5}
